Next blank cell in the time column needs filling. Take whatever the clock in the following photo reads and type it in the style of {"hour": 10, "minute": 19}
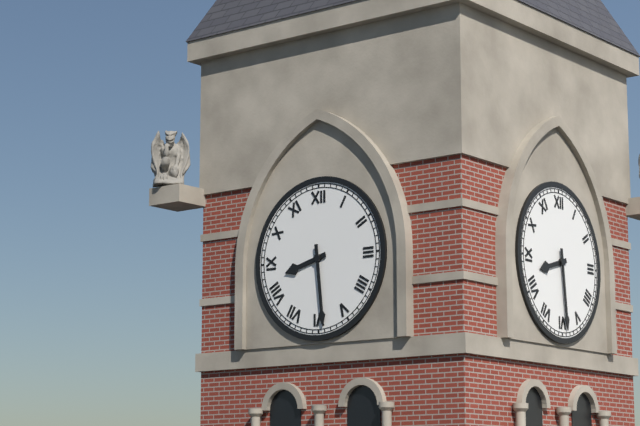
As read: {"hour": 8, "minute": 29}
